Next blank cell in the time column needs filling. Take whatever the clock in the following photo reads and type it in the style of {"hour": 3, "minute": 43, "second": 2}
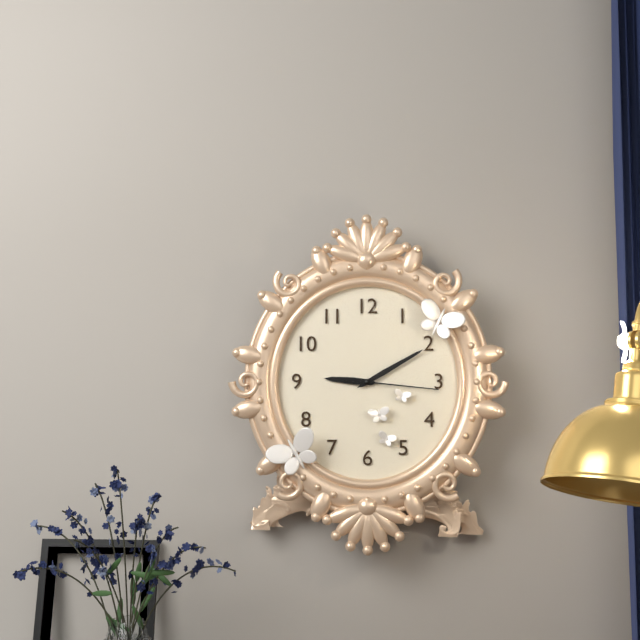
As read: {"hour": 9, "minute": 10, "second": 16}
